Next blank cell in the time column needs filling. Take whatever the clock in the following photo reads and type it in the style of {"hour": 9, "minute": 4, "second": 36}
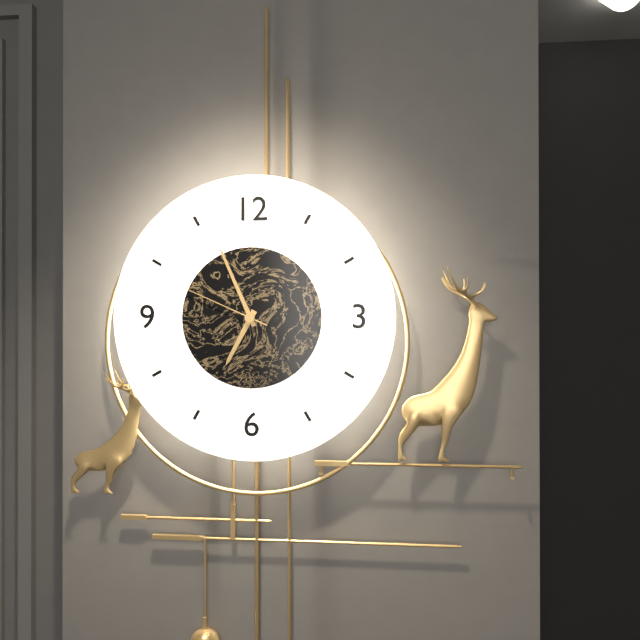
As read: {"hour": 6, "minute": 56, "second": 49}
